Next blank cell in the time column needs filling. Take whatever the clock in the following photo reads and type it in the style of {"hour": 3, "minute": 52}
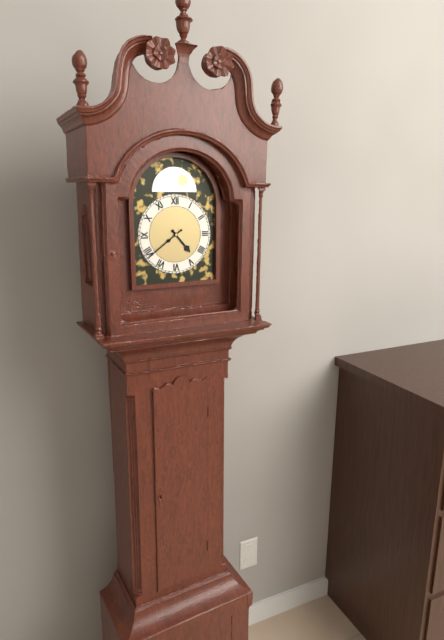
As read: {"hour": 4, "minute": 39}
